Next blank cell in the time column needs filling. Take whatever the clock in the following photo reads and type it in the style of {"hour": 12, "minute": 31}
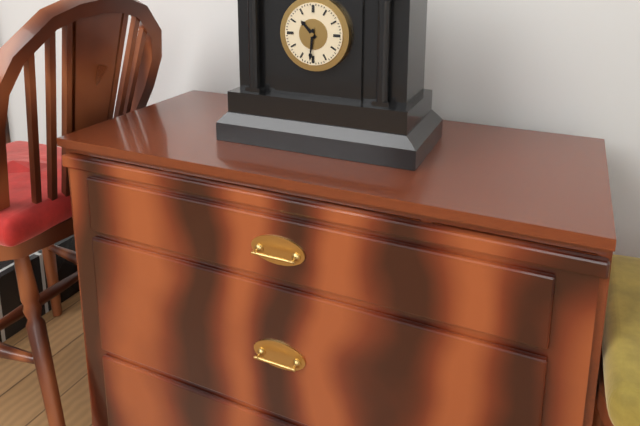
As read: {"hour": 10, "minute": 31}
